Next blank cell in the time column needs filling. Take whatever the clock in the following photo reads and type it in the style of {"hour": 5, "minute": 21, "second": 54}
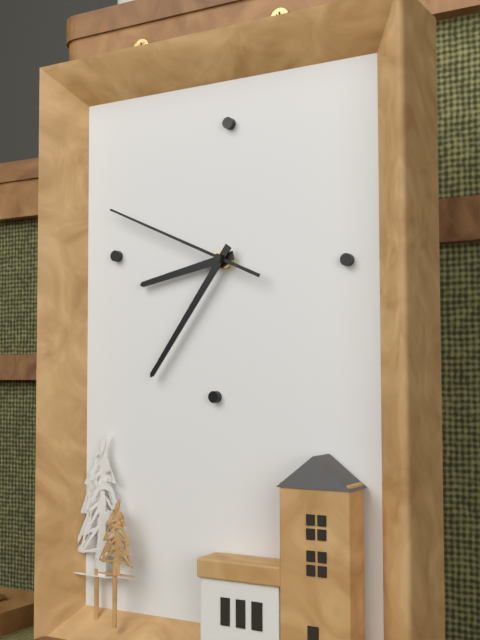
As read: {"hour": 8, "minute": 36, "second": 49}
